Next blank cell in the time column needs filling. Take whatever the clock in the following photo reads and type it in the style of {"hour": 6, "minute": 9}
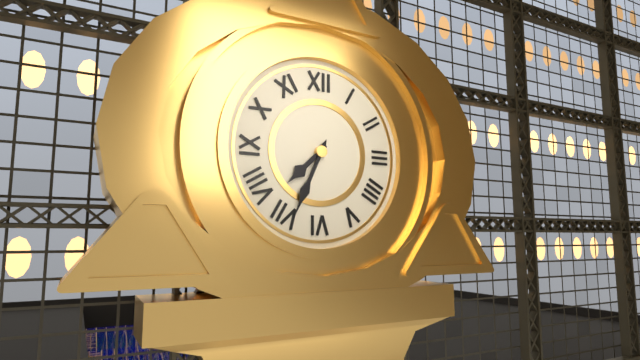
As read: {"hour": 7, "minute": 34}
